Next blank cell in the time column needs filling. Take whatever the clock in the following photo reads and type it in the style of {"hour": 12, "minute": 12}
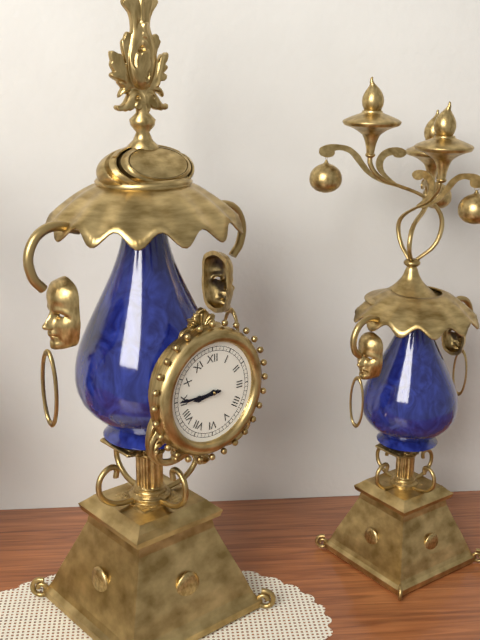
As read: {"hour": 8, "minute": 45}
